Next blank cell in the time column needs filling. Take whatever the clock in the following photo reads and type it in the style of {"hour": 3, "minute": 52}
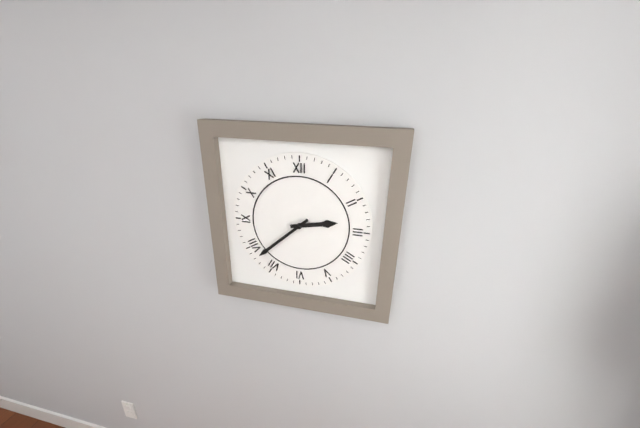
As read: {"hour": 2, "minute": 38}
